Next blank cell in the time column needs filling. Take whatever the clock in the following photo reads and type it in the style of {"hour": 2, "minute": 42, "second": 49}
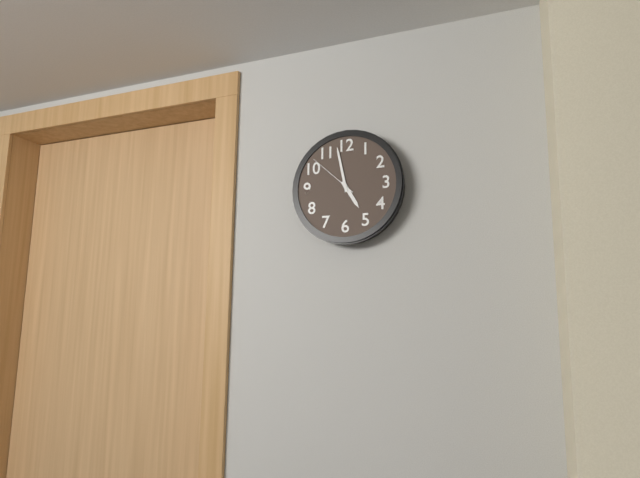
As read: {"hour": 4, "minute": 58, "second": 52}
